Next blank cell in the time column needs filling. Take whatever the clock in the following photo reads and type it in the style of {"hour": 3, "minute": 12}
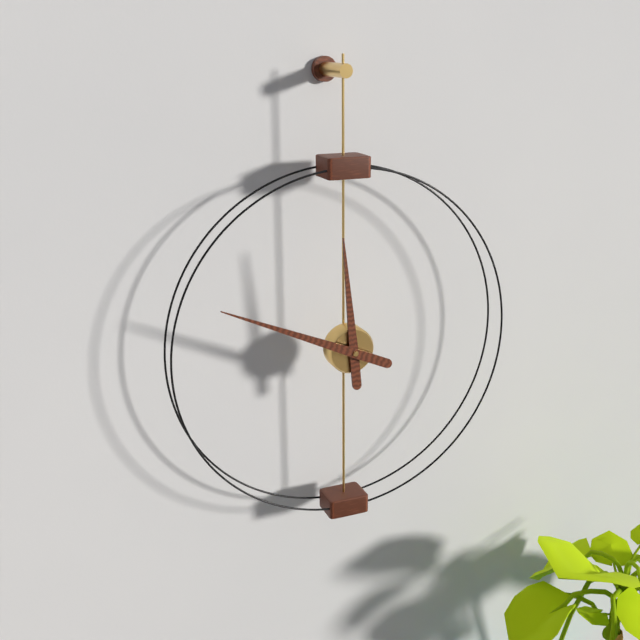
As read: {"hour": 11, "minute": 49}
